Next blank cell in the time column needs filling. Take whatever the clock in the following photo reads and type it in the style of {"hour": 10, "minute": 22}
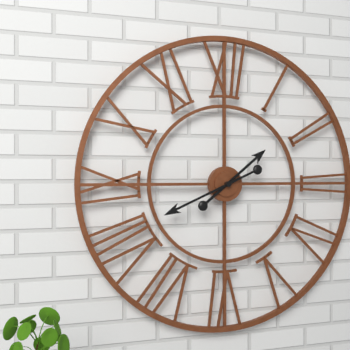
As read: {"hour": 1, "minute": 41}
